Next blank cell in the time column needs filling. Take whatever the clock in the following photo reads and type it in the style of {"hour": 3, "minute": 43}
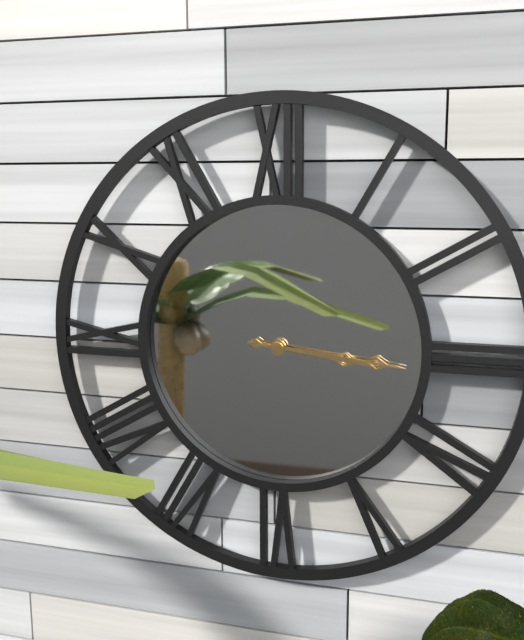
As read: {"hour": 3, "minute": 16}
